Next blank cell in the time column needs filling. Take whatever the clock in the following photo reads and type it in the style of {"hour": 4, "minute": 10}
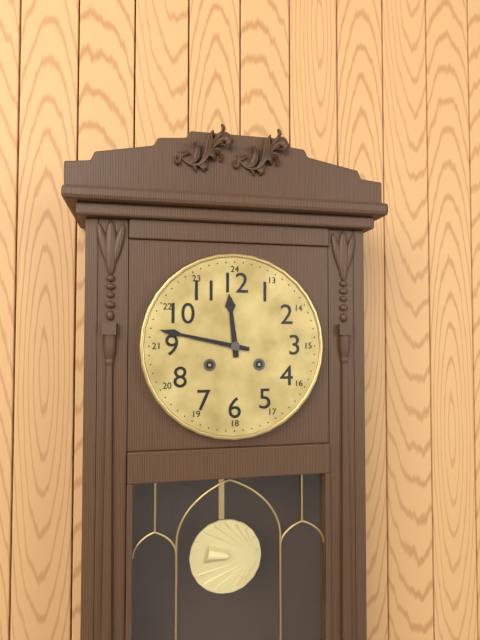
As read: {"hour": 11, "minute": 47}
